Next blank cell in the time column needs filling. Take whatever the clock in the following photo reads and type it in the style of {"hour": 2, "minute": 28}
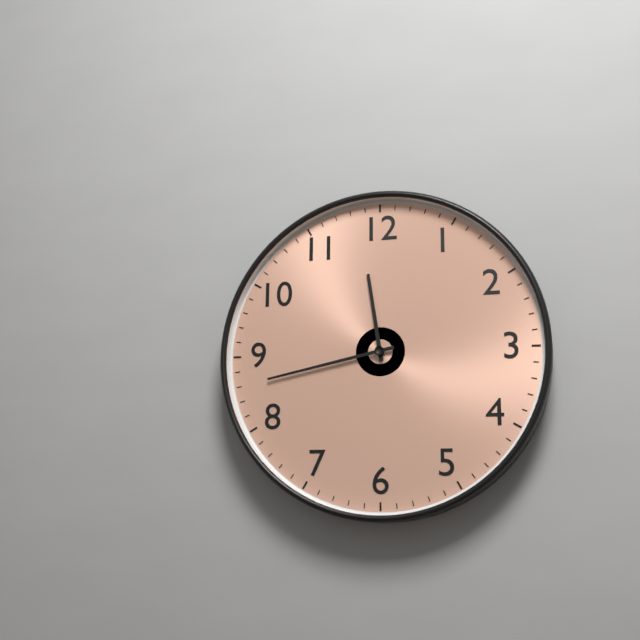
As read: {"hour": 11, "minute": 43}
